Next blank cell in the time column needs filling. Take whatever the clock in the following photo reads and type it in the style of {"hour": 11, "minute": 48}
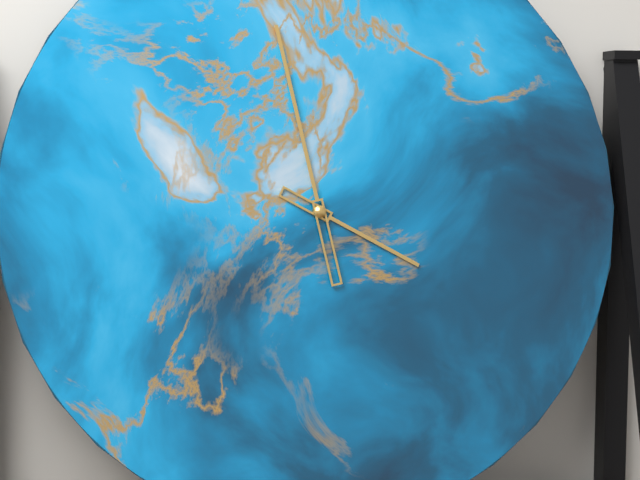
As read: {"hour": 3, "minute": 58}
